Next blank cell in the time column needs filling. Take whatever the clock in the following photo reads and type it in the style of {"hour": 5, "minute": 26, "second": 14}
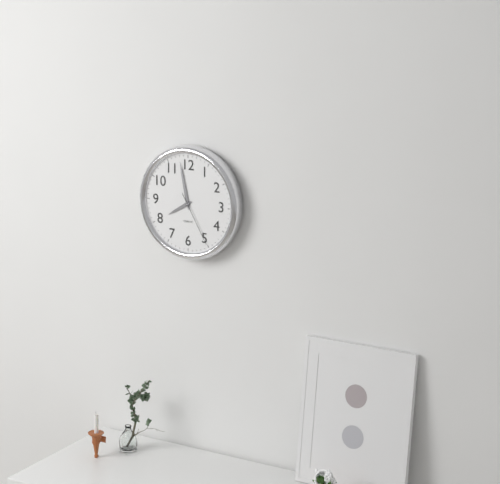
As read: {"hour": 7, "minute": 58, "second": 25}
